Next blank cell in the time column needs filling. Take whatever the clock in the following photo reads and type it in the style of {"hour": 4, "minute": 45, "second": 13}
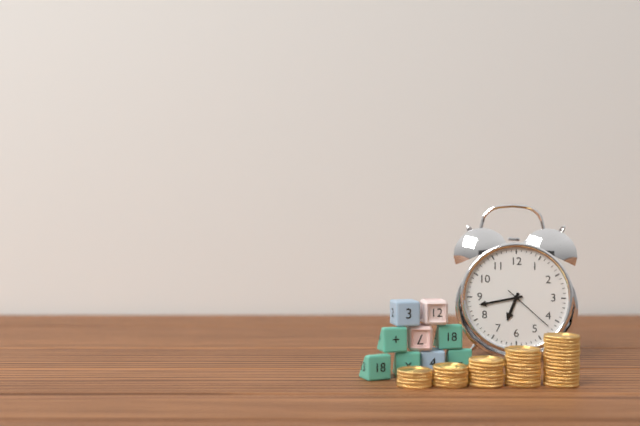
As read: {"hour": 6, "minute": 43, "second": 22}
